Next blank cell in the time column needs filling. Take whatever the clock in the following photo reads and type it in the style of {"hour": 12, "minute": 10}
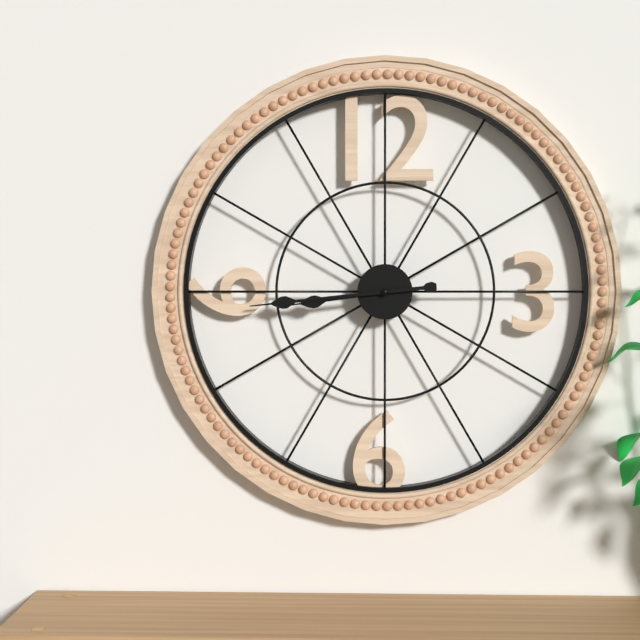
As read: {"hour": 8, "minute": 44}
